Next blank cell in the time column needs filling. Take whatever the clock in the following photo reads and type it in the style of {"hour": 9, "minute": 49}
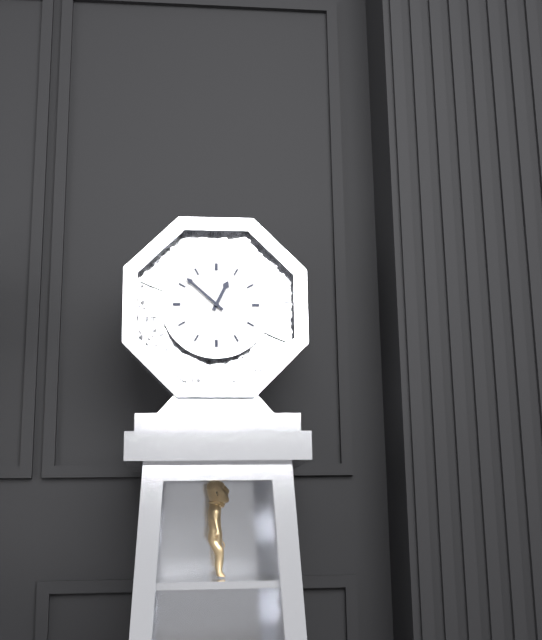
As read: {"hour": 12, "minute": 52}
